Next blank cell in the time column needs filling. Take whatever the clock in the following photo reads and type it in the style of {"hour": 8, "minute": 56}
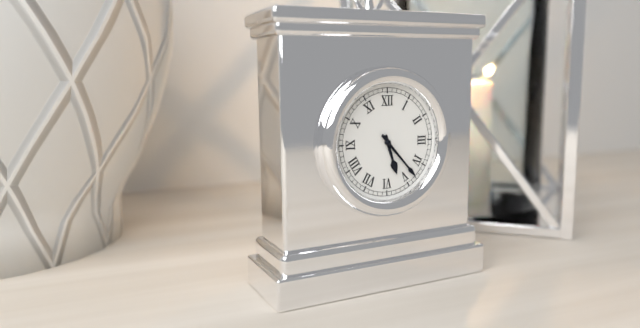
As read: {"hour": 5, "minute": 23}
